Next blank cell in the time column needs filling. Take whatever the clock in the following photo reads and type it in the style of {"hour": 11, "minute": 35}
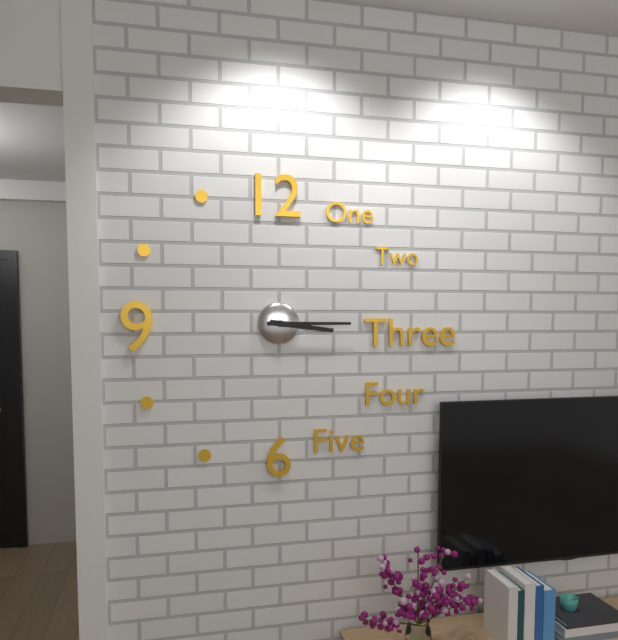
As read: {"hour": 3, "minute": 15}
